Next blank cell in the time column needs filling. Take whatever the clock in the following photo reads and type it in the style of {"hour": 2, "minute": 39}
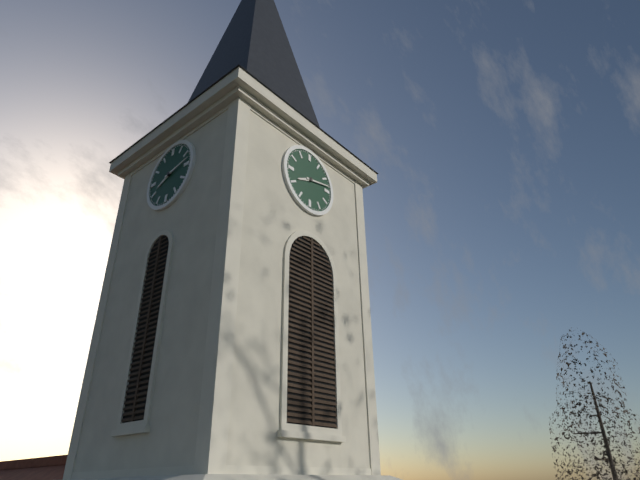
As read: {"hour": 8, "minute": 13}
